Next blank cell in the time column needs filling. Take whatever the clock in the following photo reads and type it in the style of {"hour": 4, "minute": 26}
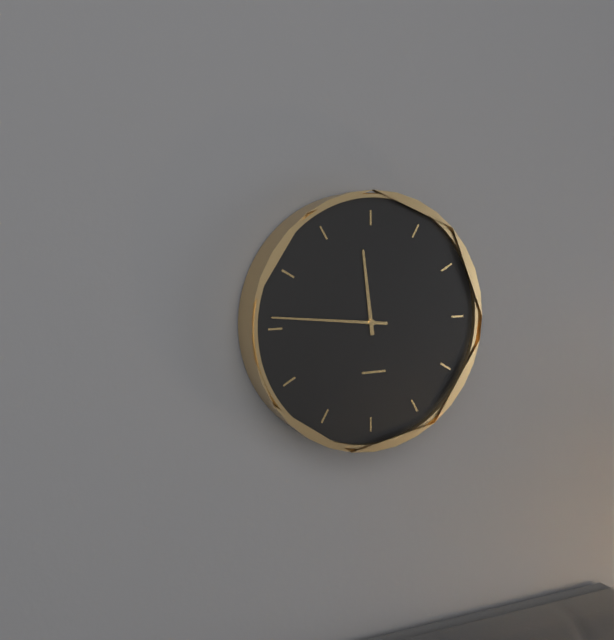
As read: {"hour": 11, "minute": 46}
